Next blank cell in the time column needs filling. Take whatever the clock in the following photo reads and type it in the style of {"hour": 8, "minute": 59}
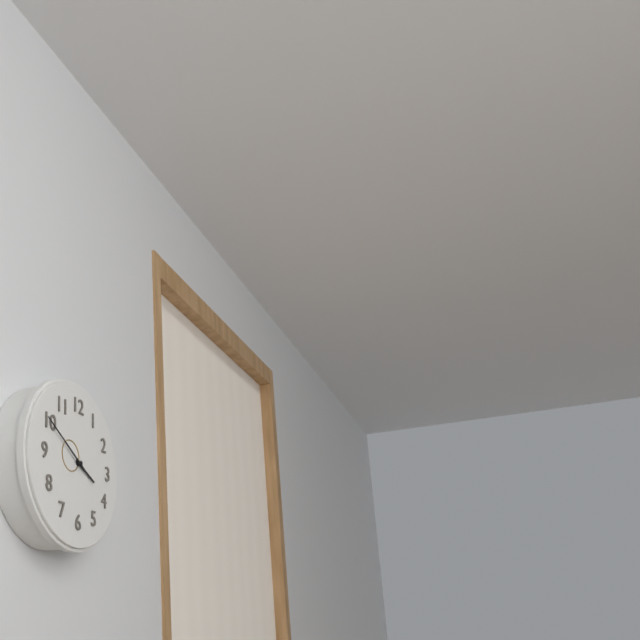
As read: {"hour": 3, "minute": 50}
